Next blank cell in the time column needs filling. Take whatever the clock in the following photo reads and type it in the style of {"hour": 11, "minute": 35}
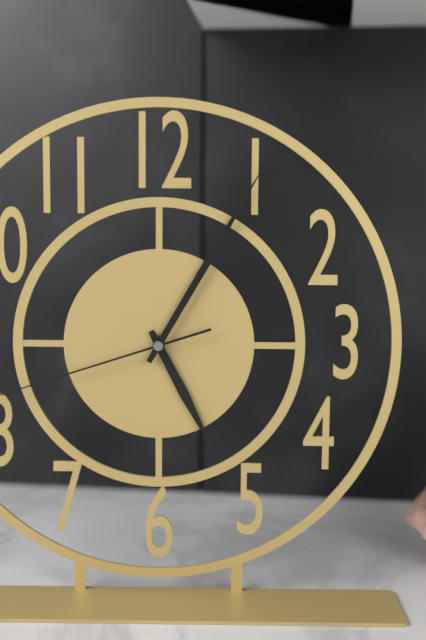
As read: {"hour": 5, "minute": 5}
